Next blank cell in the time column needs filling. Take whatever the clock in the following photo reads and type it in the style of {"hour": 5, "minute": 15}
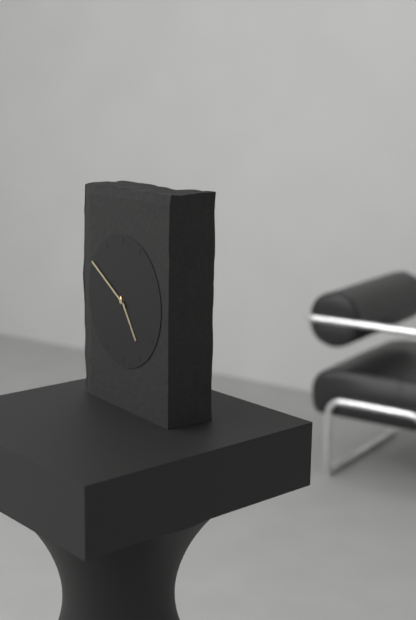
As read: {"hour": 4, "minute": 50}
